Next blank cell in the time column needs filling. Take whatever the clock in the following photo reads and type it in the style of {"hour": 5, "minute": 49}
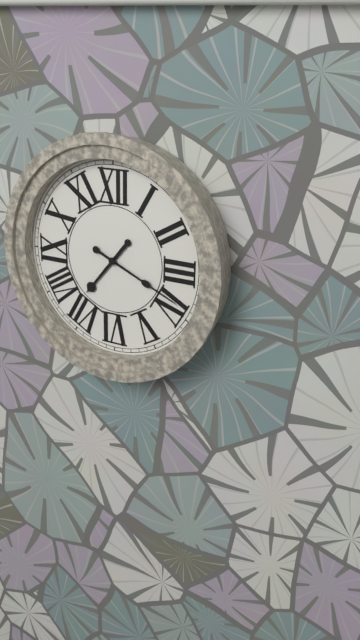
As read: {"hour": 7, "minute": 19}
